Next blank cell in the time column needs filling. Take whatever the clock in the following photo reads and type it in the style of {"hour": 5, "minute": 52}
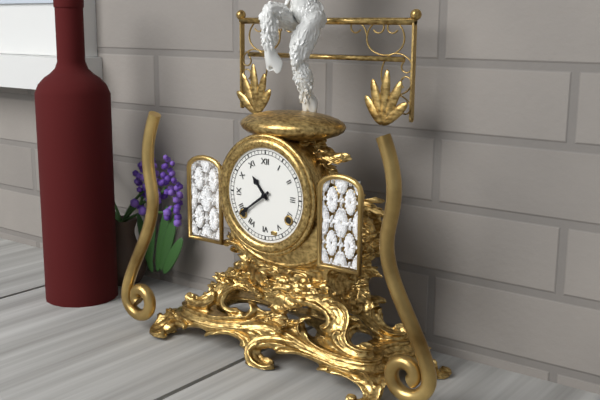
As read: {"hour": 10, "minute": 39}
